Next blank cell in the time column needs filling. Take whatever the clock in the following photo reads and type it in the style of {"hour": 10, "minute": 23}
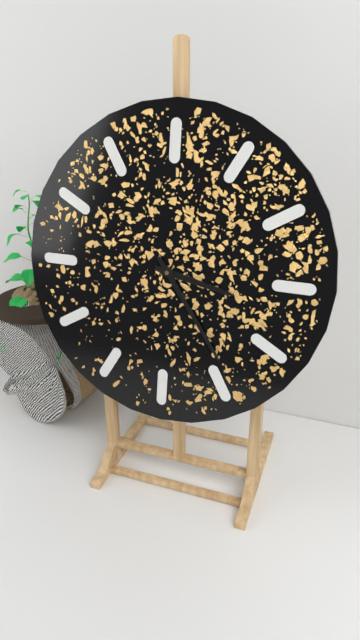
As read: {"hour": 3, "minute": 24}
